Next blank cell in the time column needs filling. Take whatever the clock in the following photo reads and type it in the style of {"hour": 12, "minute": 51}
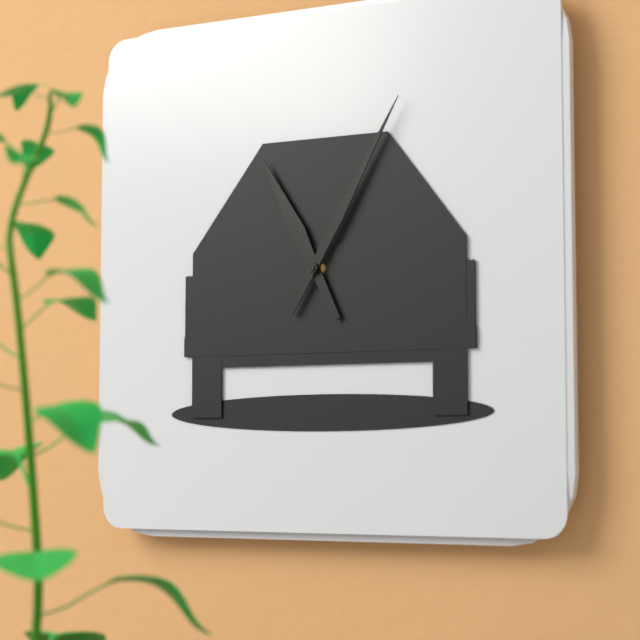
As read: {"hour": 11, "minute": 5}
